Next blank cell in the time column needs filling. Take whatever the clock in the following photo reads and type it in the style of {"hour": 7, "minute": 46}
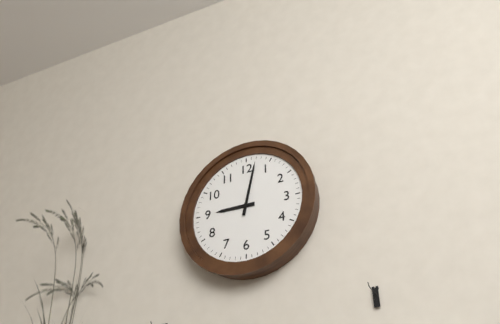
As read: {"hour": 9, "minute": 2}
